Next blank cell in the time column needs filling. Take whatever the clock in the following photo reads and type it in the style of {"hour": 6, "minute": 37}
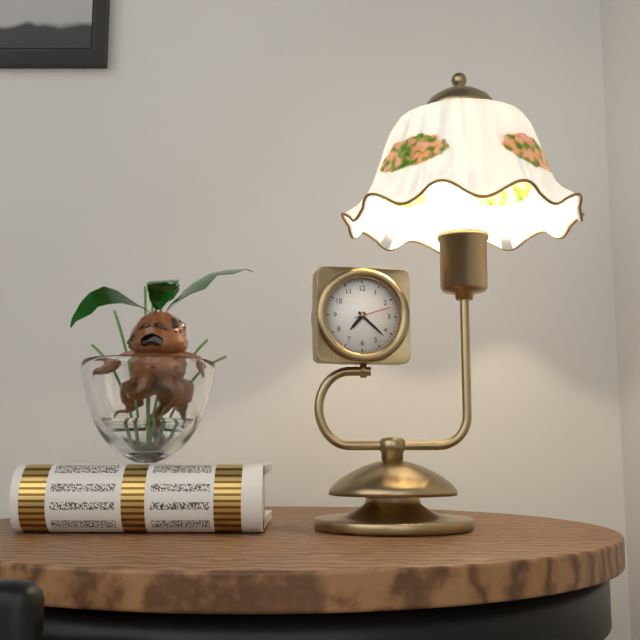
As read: {"hour": 7, "minute": 22}
